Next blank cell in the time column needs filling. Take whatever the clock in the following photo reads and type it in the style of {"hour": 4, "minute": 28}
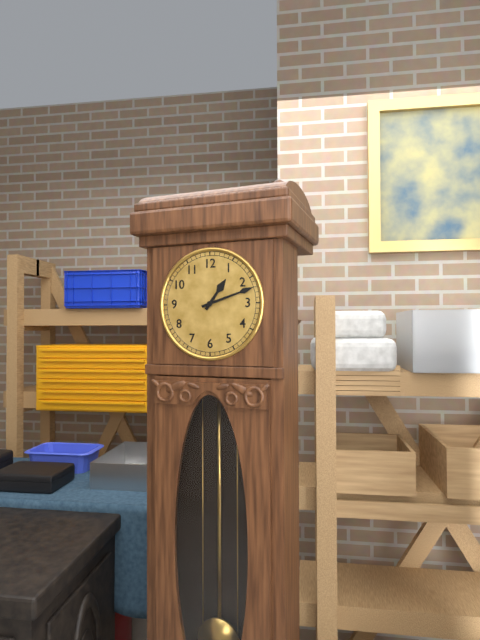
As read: {"hour": 1, "minute": 12}
